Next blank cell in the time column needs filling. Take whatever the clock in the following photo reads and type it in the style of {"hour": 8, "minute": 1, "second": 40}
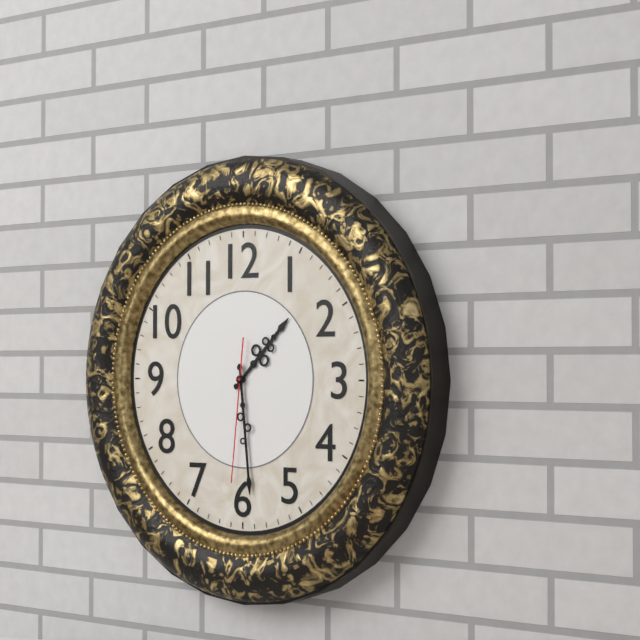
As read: {"hour": 1, "minute": 29, "second": 31}
